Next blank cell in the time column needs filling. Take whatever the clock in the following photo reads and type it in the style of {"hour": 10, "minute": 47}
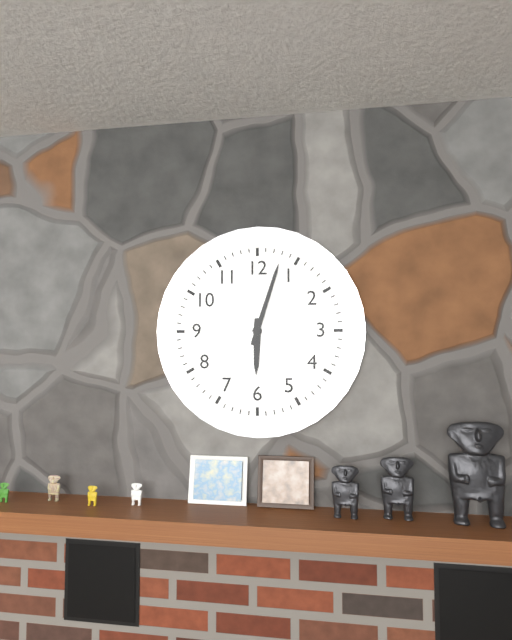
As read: {"hour": 6, "minute": 3}
